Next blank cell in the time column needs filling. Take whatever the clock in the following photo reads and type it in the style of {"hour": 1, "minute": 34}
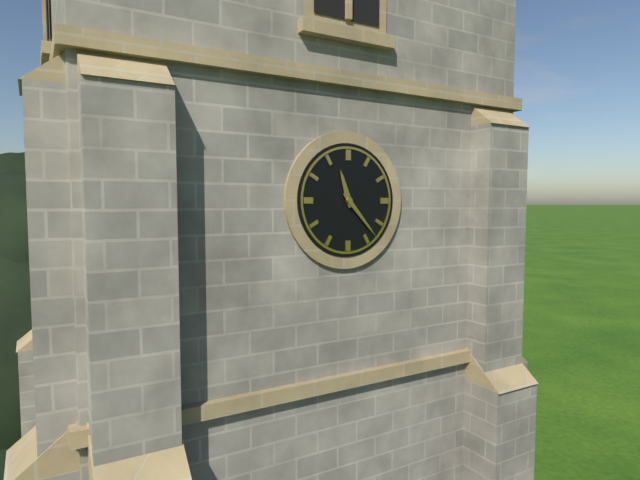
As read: {"hour": 11, "minute": 23}
